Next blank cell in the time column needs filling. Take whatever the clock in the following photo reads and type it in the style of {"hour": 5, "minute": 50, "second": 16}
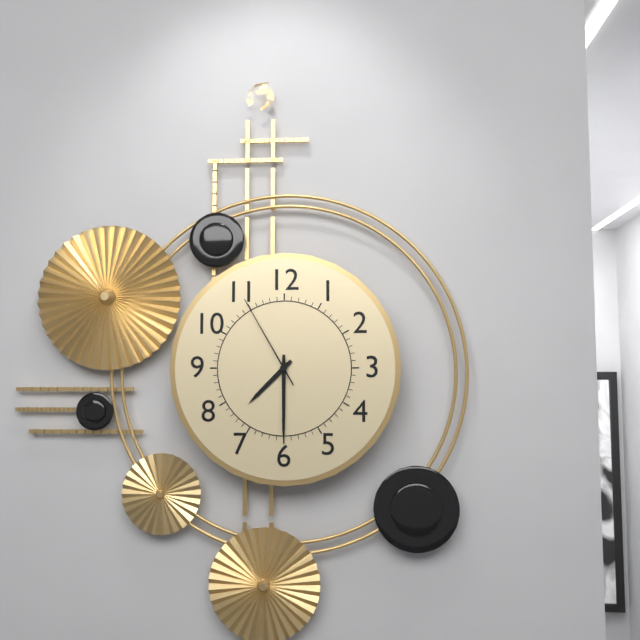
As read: {"hour": 7, "minute": 30, "second": 55}
